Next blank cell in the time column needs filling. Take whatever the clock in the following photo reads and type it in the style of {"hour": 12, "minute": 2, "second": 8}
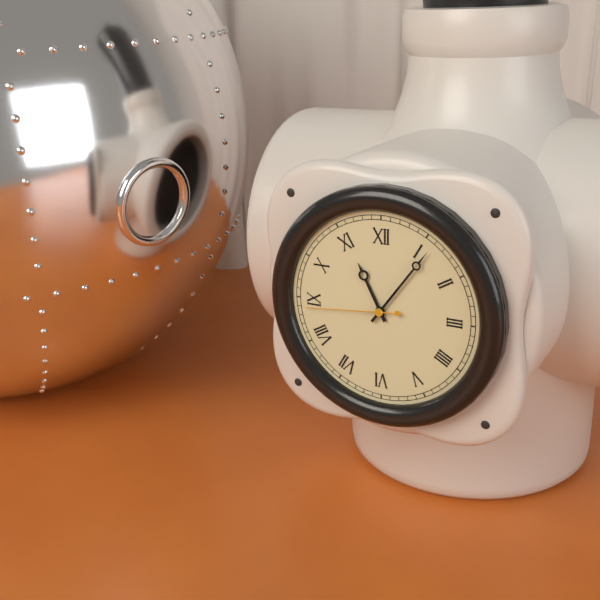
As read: {"hour": 11, "minute": 6, "second": 44}
